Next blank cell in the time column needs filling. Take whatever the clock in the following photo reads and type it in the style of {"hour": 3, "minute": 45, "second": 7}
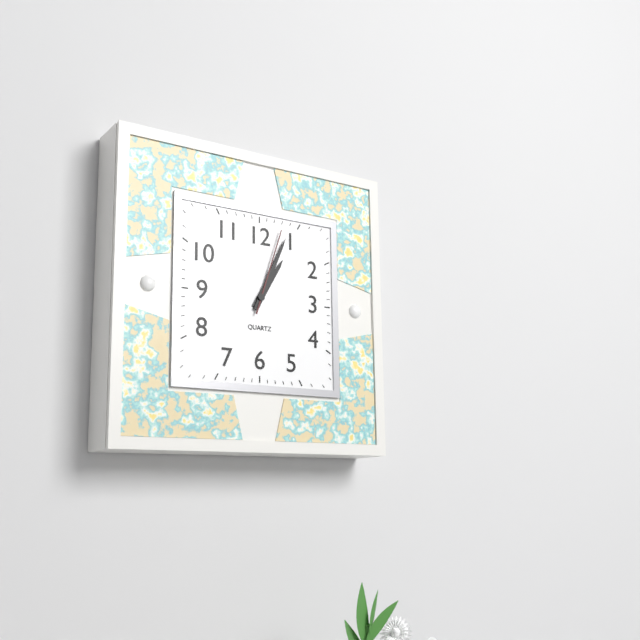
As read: {"hour": 1, "minute": 4, "second": 3}
